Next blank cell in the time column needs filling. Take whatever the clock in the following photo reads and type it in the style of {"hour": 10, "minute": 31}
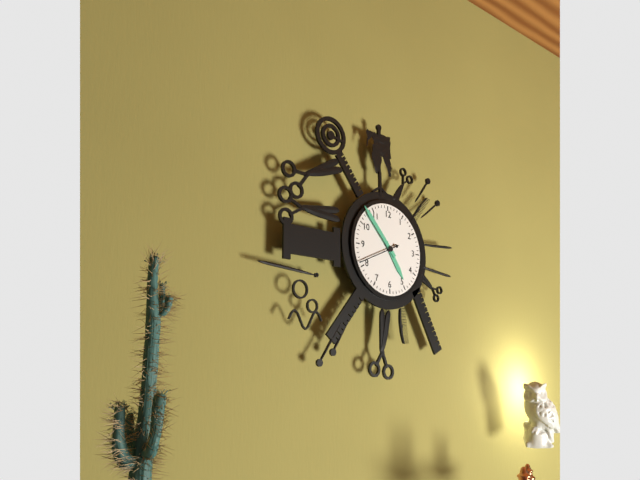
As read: {"hour": 4, "minute": 53}
